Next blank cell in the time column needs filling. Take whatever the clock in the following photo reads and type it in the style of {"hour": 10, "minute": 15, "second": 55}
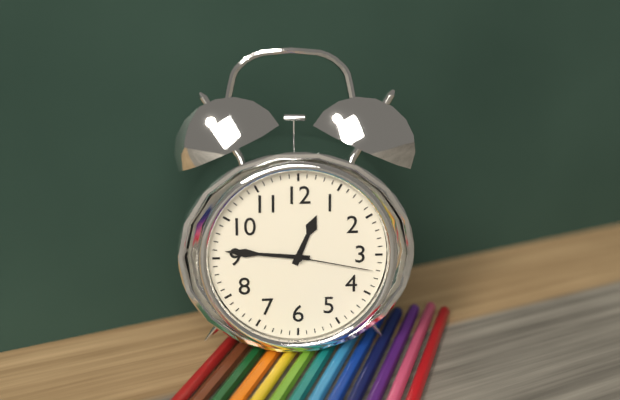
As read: {"hour": 12, "minute": 46, "second": 17}
